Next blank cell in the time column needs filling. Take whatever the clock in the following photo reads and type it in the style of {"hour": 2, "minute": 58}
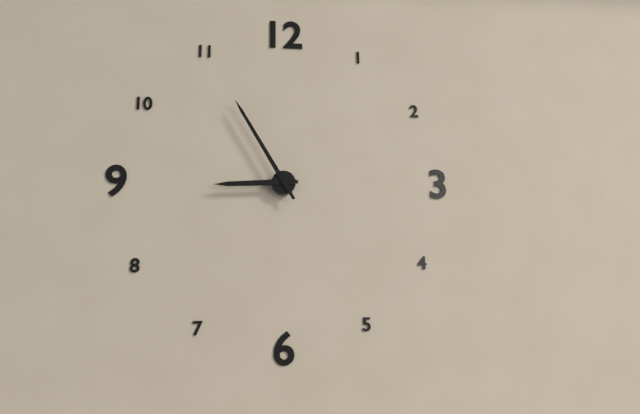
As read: {"hour": 8, "minute": 55}
